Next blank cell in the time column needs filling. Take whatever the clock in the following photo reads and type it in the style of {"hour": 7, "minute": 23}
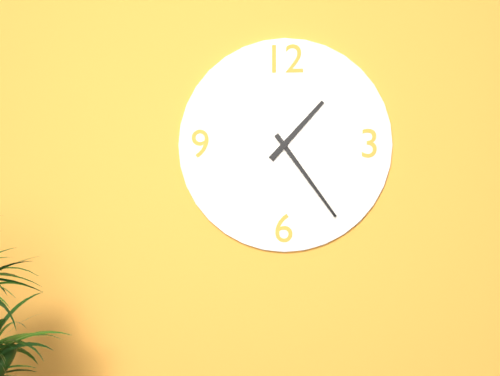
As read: {"hour": 1, "minute": 24}
